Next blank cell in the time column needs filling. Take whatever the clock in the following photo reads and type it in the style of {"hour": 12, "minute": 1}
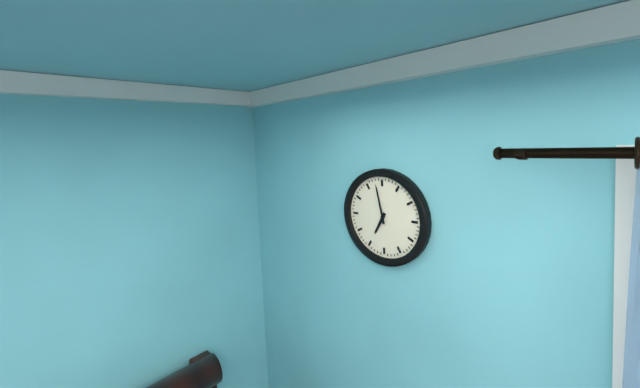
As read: {"hour": 6, "minute": 58}
